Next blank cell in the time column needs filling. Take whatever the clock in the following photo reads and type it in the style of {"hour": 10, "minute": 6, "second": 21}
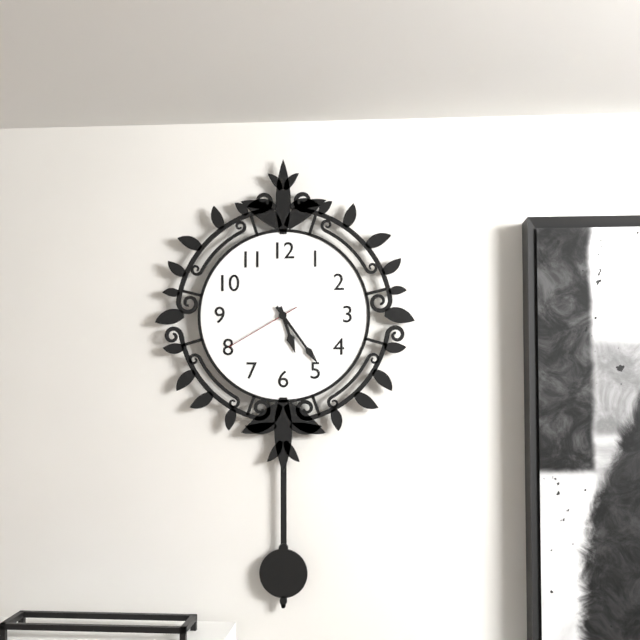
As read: {"hour": 5, "minute": 24, "second": 40}
